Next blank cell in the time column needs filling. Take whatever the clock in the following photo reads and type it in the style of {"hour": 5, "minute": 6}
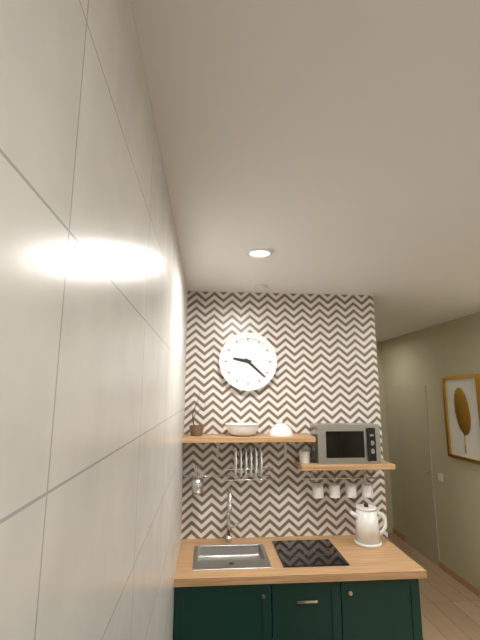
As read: {"hour": 9, "minute": 22}
